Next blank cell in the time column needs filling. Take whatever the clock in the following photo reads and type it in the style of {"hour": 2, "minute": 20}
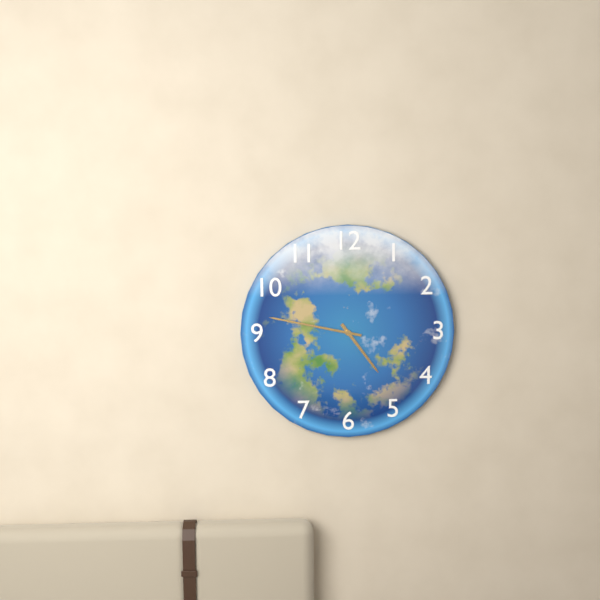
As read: {"hour": 4, "minute": 47}
